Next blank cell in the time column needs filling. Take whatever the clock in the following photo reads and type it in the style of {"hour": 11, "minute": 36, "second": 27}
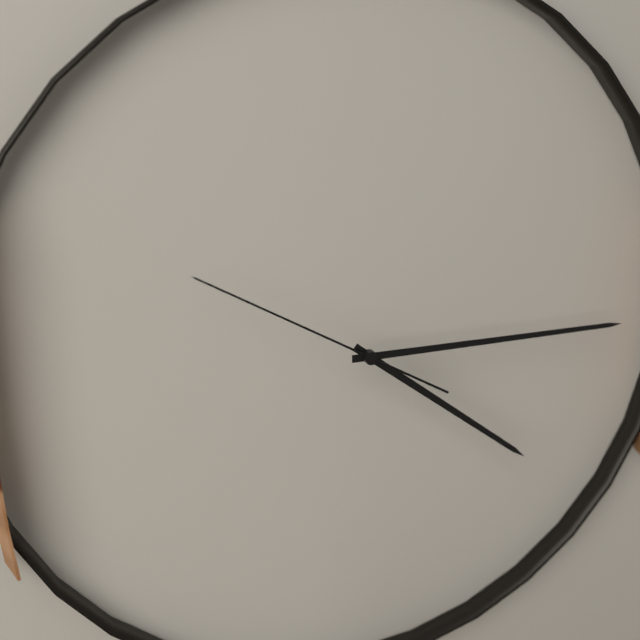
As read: {"hour": 4, "minute": 15, "second": 50}
